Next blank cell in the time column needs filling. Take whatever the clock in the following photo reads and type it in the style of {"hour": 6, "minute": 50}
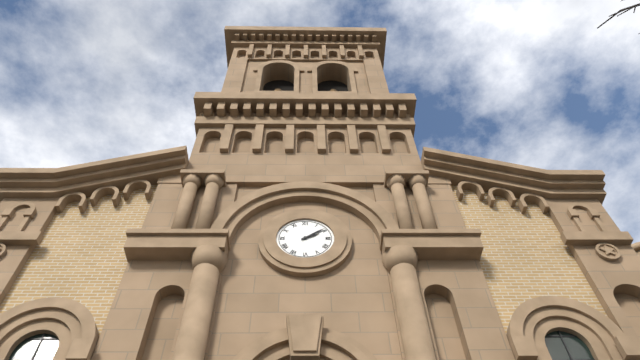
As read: {"hour": 2, "minute": 9}
